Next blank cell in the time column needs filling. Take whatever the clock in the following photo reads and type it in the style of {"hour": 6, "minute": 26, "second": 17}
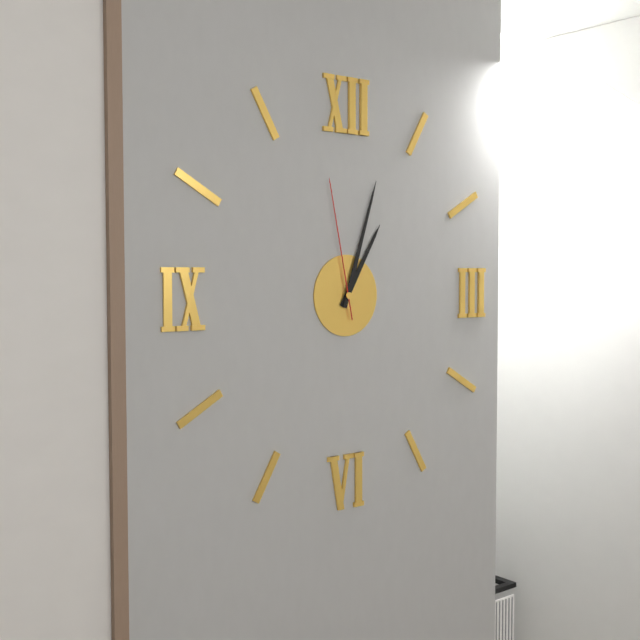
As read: {"hour": 1, "minute": 3, "second": 58}
